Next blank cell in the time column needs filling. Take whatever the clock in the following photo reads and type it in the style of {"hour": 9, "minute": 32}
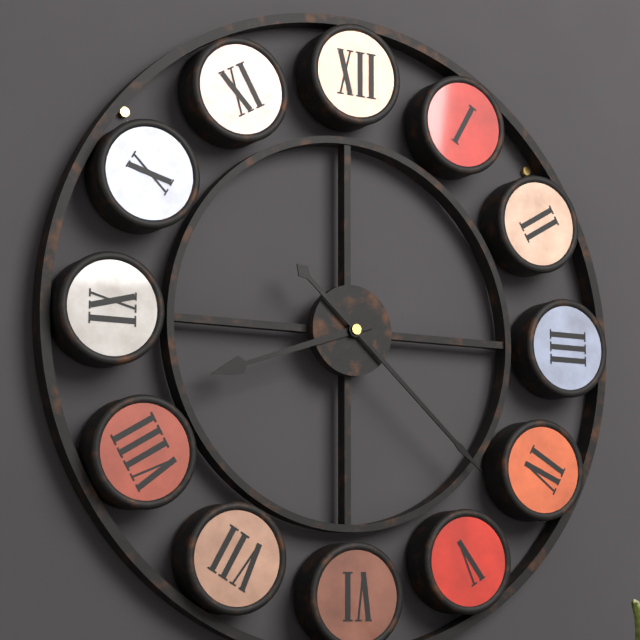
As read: {"hour": 8, "minute": 22}
